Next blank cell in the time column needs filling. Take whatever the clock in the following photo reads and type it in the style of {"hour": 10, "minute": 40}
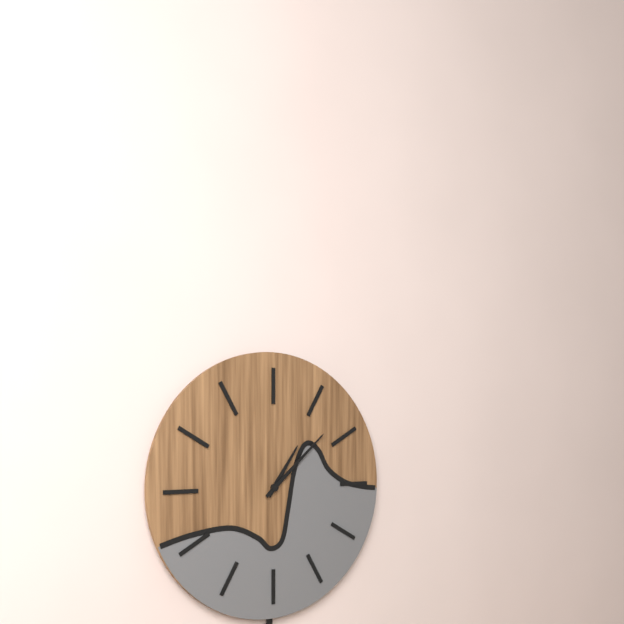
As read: {"hour": 1, "minute": 8}
